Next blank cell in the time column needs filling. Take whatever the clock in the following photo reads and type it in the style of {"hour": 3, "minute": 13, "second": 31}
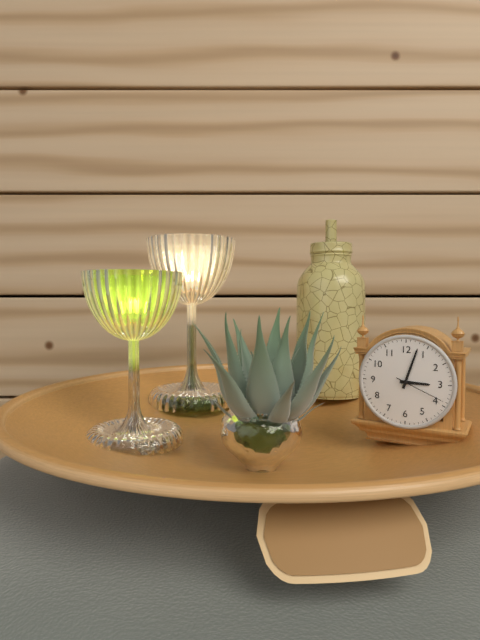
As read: {"hour": 3, "minute": 3, "second": 19}
